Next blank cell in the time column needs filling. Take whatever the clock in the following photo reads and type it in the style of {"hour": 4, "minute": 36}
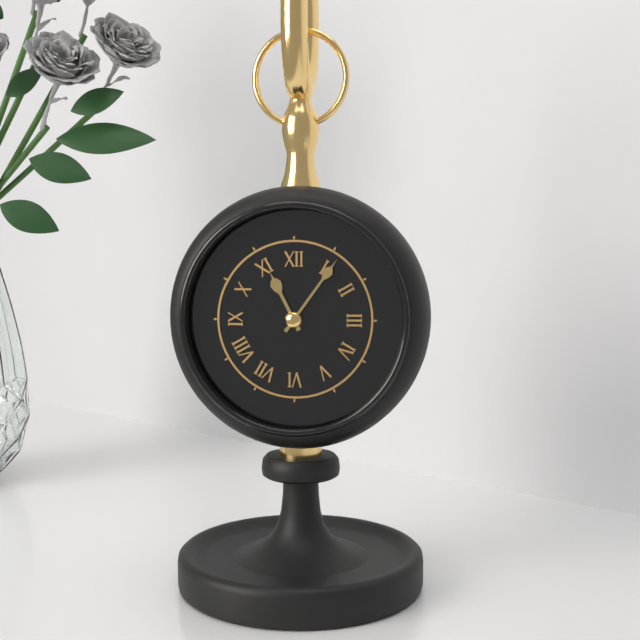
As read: {"hour": 11, "minute": 6}
